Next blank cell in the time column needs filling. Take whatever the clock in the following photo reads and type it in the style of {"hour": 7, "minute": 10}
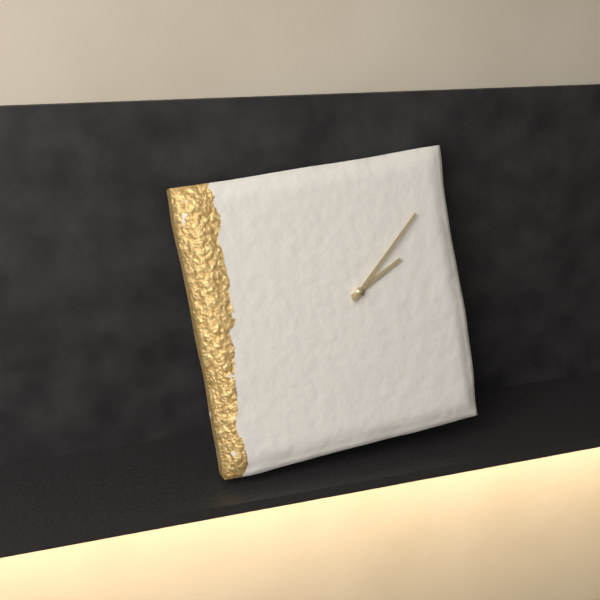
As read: {"hour": 2, "minute": 8}
